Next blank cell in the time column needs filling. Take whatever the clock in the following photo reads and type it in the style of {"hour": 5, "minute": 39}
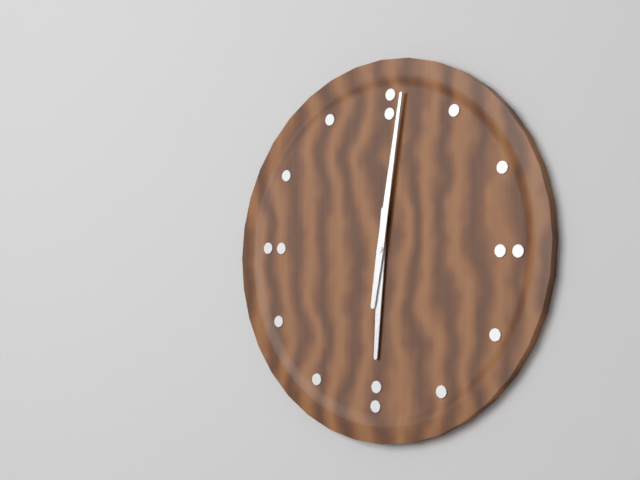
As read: {"hour": 6, "minute": 1}
